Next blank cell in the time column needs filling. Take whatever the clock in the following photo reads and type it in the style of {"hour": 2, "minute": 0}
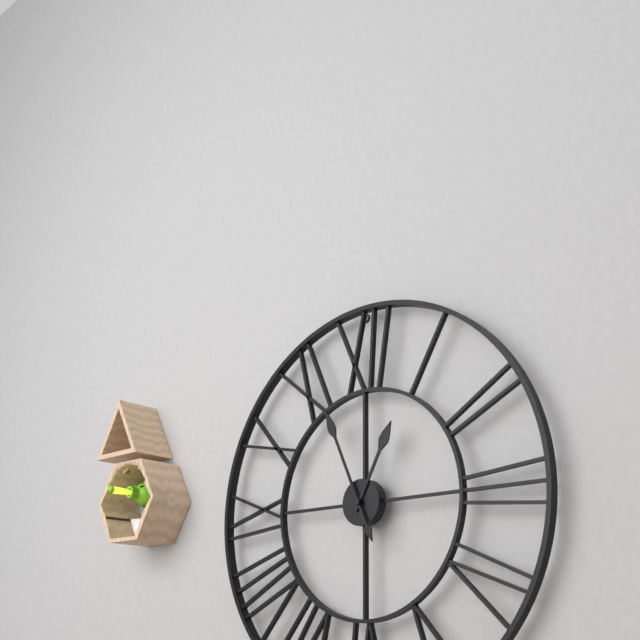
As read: {"hour": 12, "minute": 56}
